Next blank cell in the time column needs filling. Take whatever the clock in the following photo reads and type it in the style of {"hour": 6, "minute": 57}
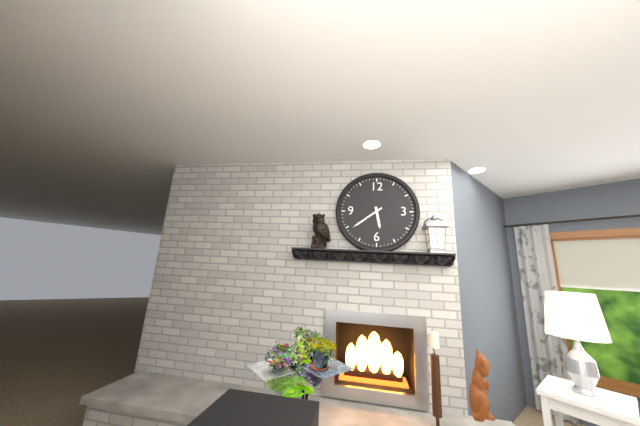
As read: {"hour": 5, "minute": 39}
